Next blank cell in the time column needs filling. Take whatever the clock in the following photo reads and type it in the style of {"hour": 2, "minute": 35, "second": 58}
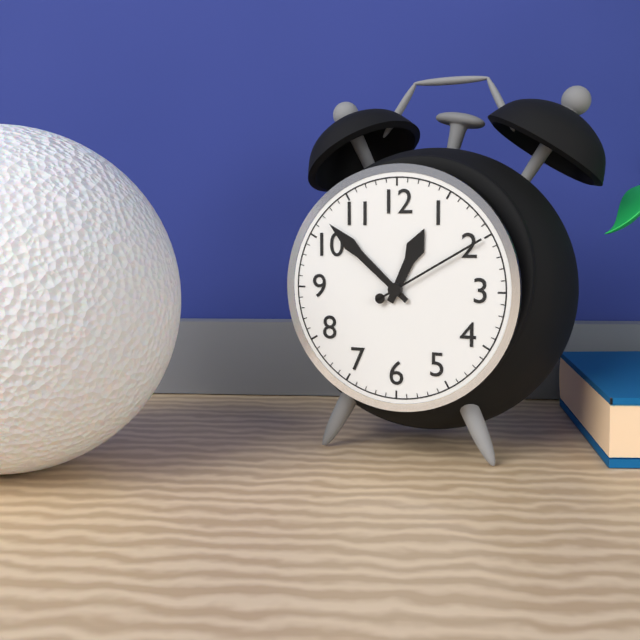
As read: {"hour": 12, "minute": 52, "second": 10}
